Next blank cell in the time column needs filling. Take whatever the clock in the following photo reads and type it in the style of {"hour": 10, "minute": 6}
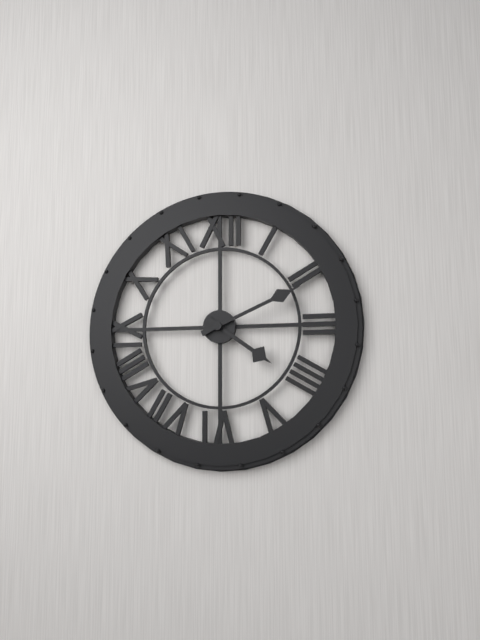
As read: {"hour": 4, "minute": 11}
